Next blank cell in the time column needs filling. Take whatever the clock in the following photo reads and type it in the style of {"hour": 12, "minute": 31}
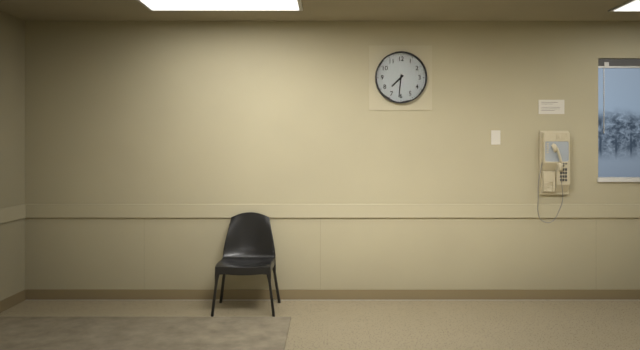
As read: {"hour": 7, "minute": 31}
